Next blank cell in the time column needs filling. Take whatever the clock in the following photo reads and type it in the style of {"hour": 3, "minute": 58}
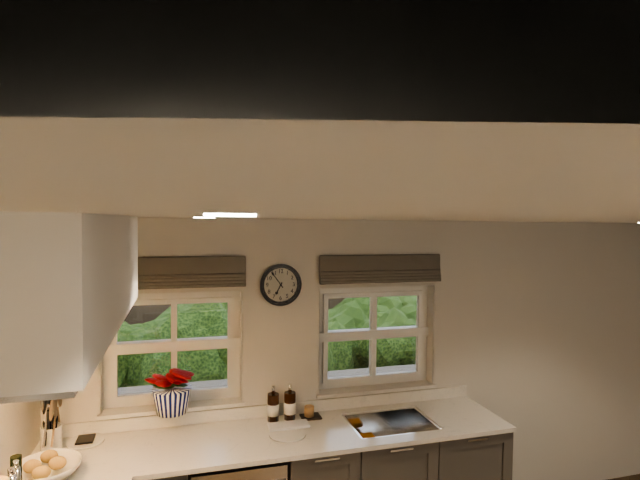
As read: {"hour": 6, "minute": 54}
